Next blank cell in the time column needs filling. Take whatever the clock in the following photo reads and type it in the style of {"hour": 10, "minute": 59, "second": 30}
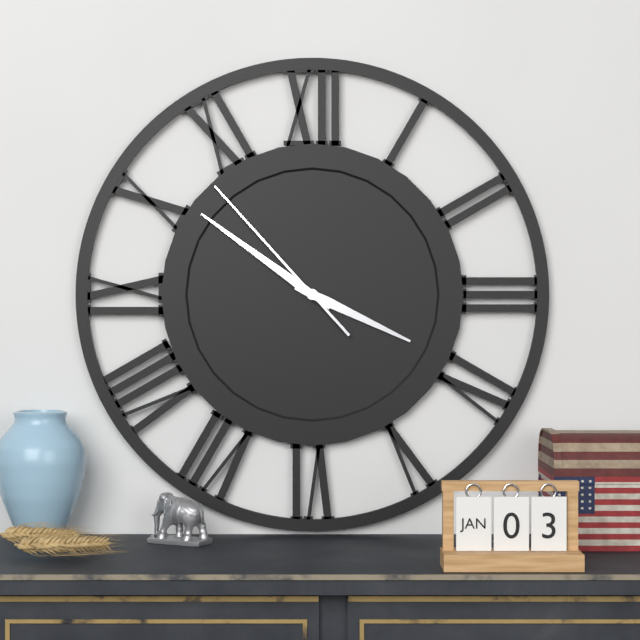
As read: {"hour": 3, "minute": 51, "second": 53}
